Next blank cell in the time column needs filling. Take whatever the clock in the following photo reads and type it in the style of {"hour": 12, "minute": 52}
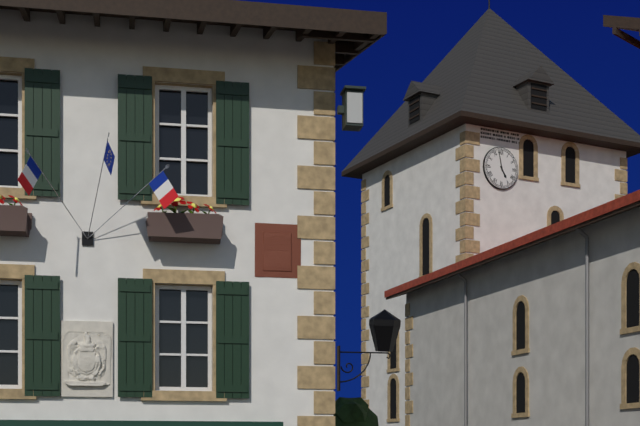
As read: {"hour": 4, "minute": 58}
